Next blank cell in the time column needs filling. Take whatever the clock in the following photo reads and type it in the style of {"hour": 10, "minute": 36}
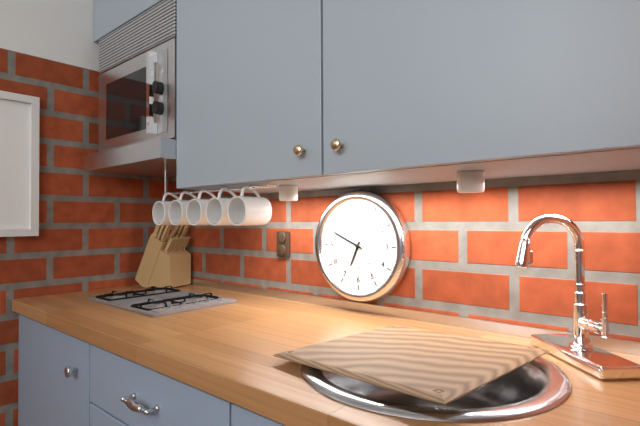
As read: {"hour": 6, "minute": 49}
